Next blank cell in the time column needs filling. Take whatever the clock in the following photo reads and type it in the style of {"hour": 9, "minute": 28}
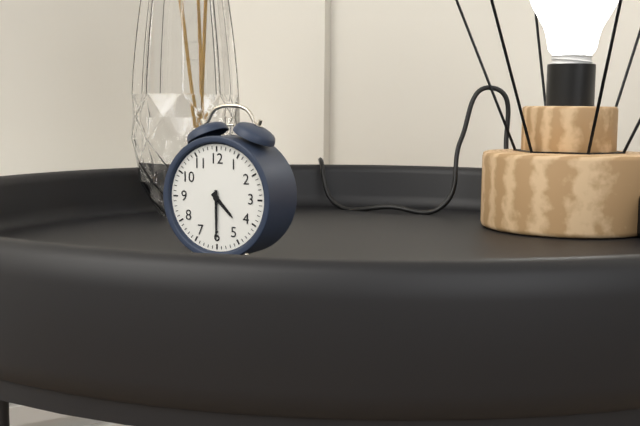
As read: {"hour": 4, "minute": 30}
